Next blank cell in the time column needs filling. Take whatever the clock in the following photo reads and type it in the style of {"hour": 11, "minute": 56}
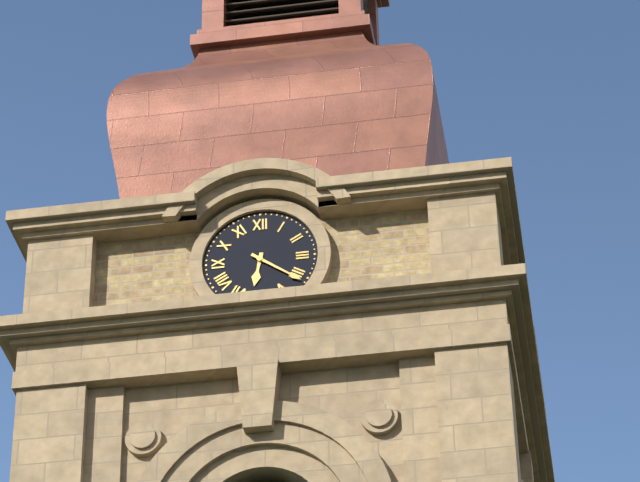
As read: {"hour": 6, "minute": 21}
